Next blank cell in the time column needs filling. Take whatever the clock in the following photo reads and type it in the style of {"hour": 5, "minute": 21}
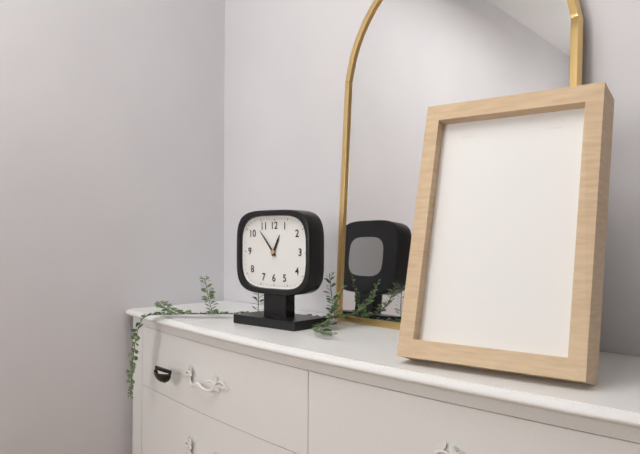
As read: {"hour": 12, "minute": 53}
